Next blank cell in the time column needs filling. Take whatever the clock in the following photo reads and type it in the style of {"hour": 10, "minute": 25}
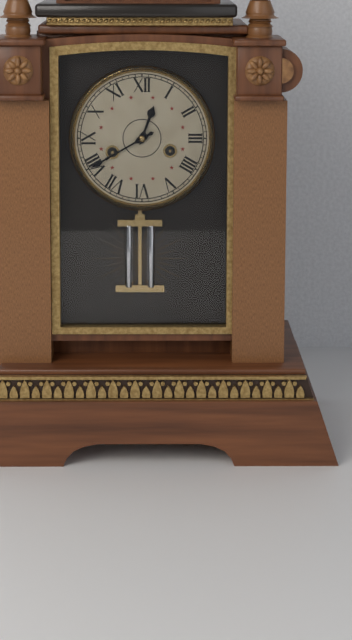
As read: {"hour": 12, "minute": 40}
